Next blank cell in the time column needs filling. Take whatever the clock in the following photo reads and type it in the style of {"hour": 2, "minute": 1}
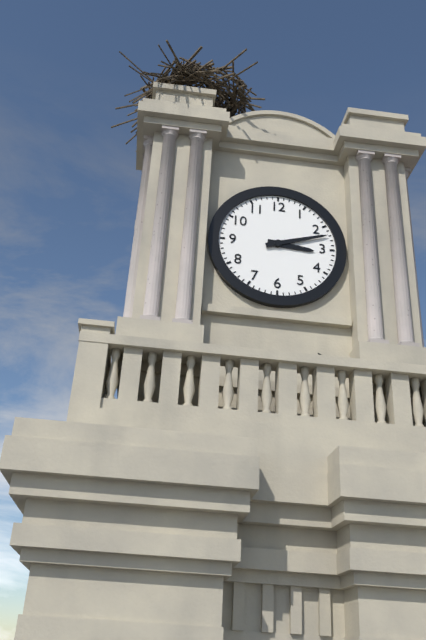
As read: {"hour": 3, "minute": 12}
